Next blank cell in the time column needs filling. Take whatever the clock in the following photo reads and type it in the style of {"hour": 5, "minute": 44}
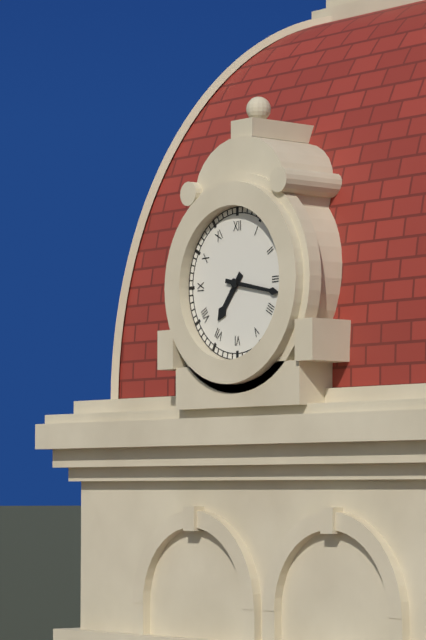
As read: {"hour": 7, "minute": 17}
